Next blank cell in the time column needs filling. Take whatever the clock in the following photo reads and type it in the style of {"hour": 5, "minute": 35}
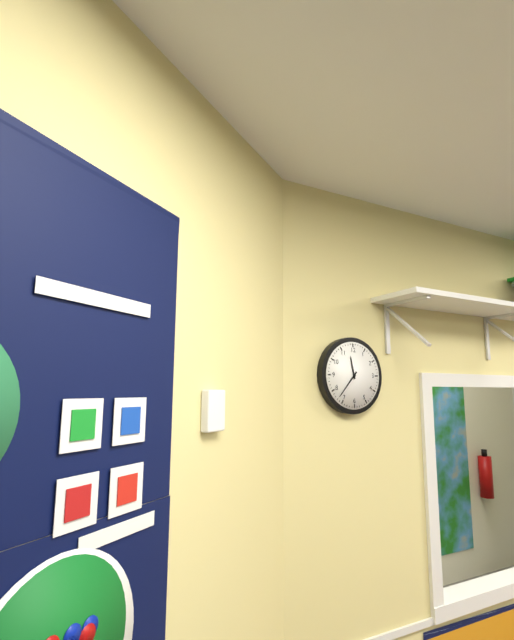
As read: {"hour": 11, "minute": 37}
